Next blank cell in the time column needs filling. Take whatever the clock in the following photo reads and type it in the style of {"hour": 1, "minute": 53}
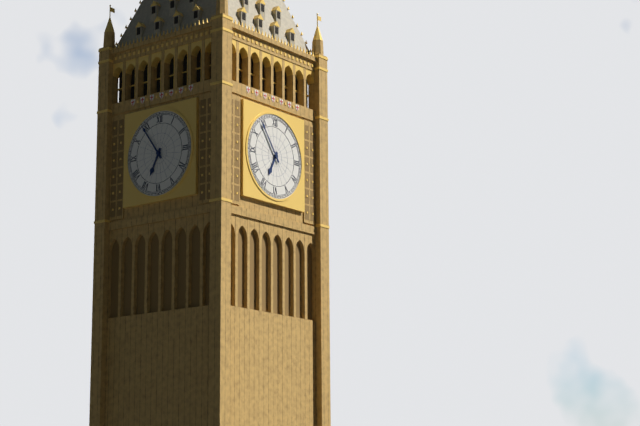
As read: {"hour": 6, "minute": 54}
